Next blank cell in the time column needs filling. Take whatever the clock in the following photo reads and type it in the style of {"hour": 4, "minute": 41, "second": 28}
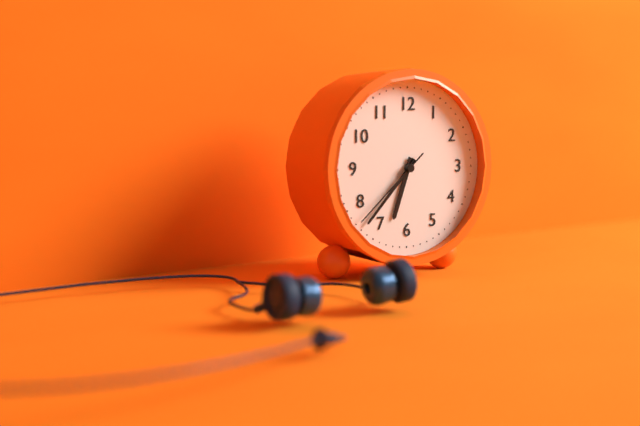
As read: {"hour": 6, "minute": 37, "second": 38}
